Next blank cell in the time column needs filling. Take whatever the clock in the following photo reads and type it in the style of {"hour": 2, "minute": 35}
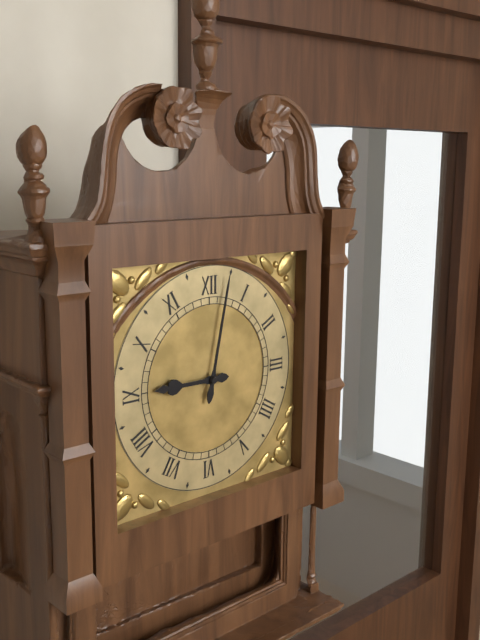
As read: {"hour": 9, "minute": 2}
